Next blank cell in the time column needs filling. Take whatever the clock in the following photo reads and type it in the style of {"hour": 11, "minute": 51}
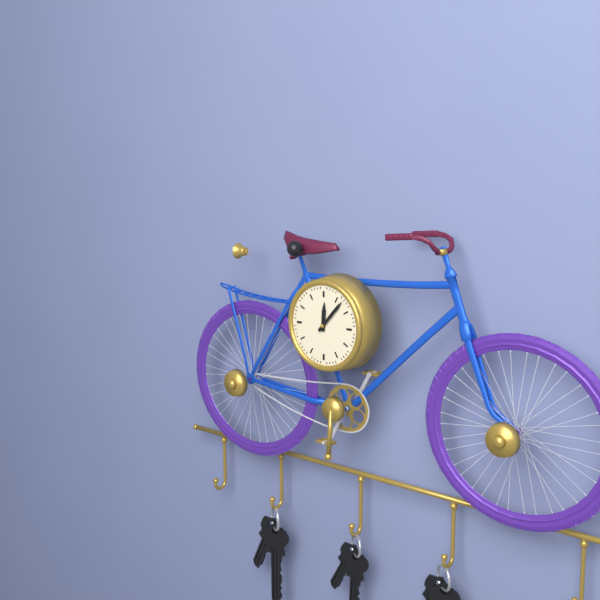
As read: {"hour": 12, "minute": 7}
